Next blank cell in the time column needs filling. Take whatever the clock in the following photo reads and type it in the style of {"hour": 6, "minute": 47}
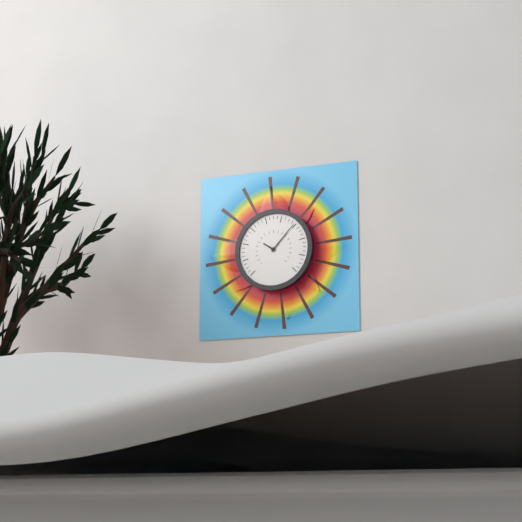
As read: {"hour": 10, "minute": 7}
